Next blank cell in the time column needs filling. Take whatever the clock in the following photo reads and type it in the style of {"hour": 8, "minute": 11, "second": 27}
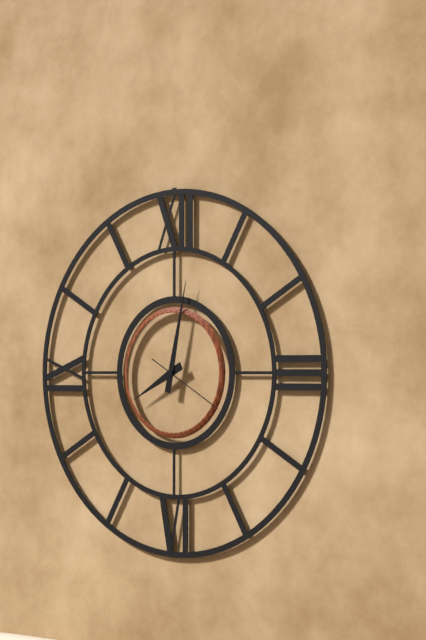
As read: {"hour": 8, "minute": 2, "second": 20}
